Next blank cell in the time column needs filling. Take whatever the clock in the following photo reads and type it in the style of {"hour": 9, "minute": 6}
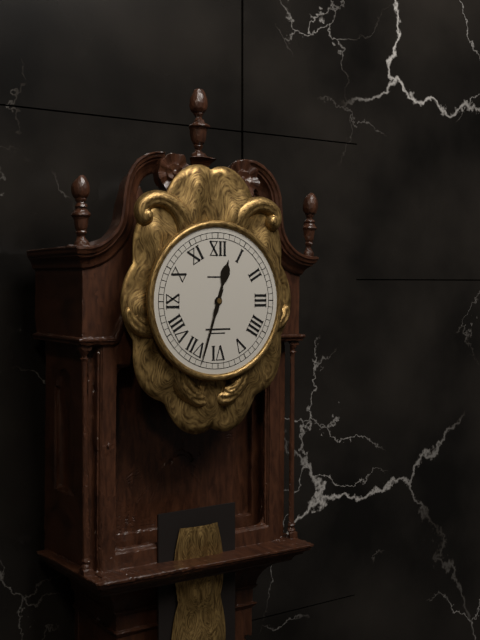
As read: {"hour": 12, "minute": 33}
